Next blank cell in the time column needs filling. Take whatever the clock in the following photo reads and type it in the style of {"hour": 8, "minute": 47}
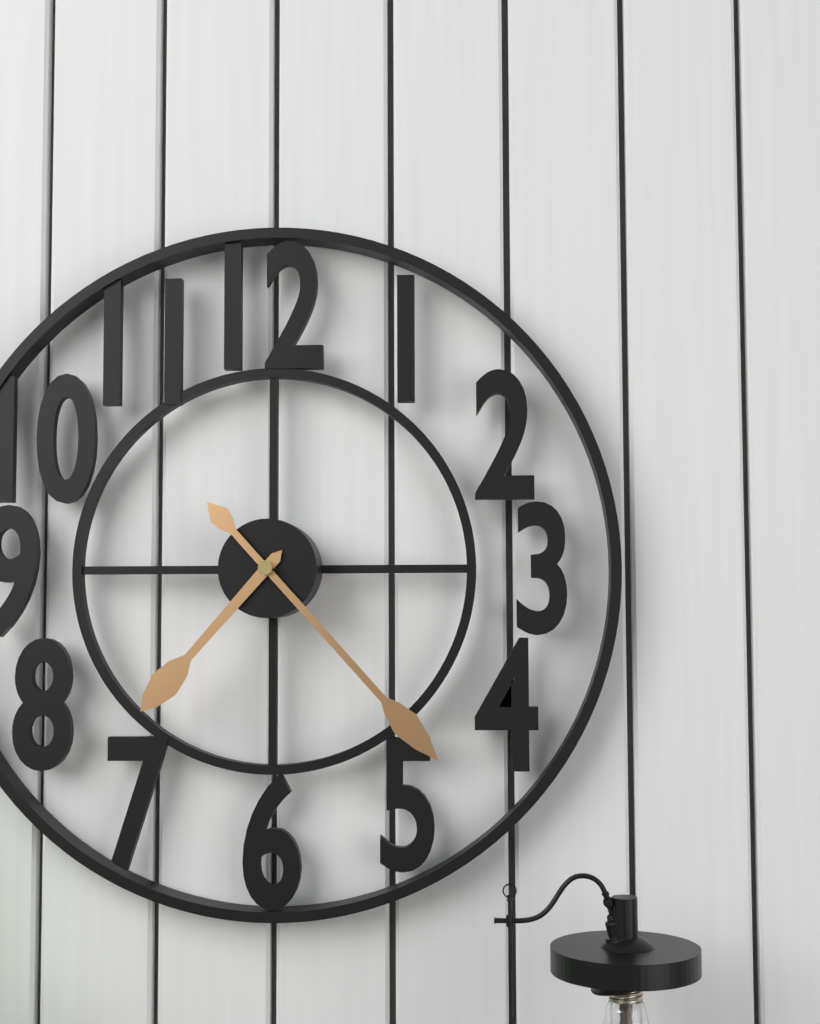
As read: {"hour": 7, "minute": 23}
